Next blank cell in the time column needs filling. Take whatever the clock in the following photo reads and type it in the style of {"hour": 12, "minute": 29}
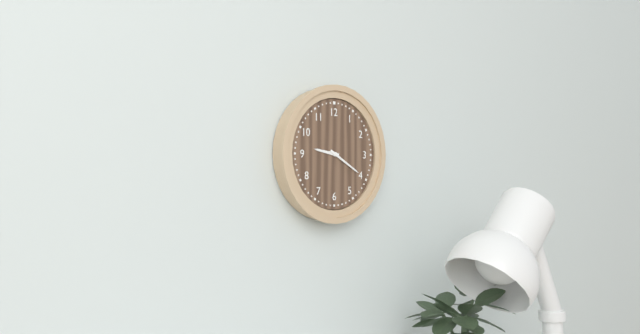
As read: {"hour": 9, "minute": 20}
